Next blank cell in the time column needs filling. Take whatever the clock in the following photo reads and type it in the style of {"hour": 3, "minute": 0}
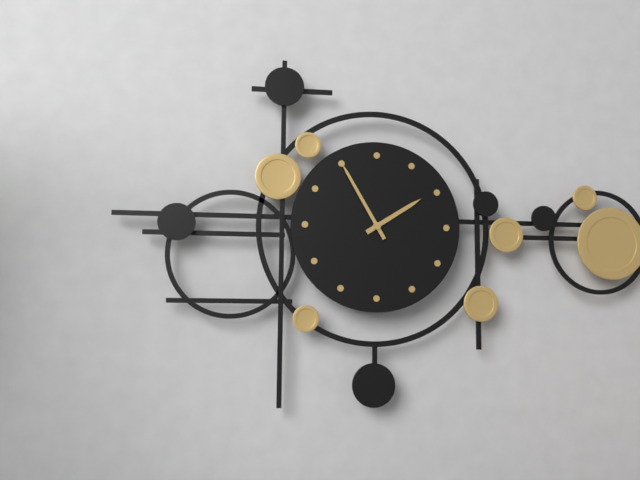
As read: {"hour": 1, "minute": 55}
